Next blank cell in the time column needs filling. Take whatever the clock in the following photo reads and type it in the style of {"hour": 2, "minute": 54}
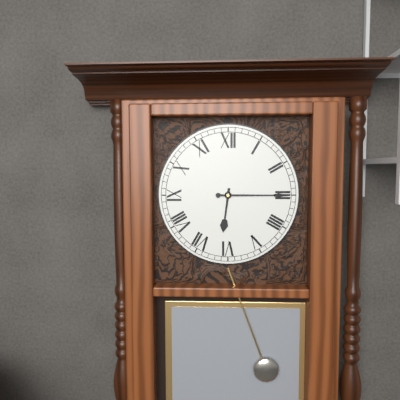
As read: {"hour": 6, "minute": 15}
